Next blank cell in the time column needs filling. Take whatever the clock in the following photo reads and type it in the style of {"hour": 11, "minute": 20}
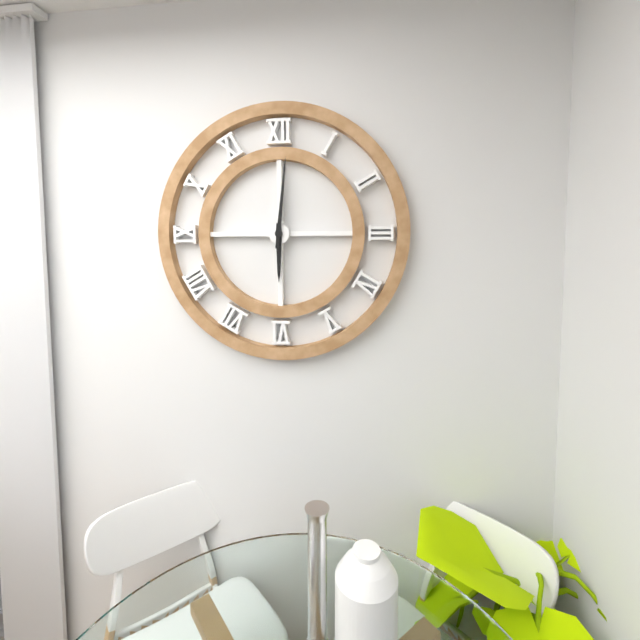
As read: {"hour": 6, "minute": 1}
